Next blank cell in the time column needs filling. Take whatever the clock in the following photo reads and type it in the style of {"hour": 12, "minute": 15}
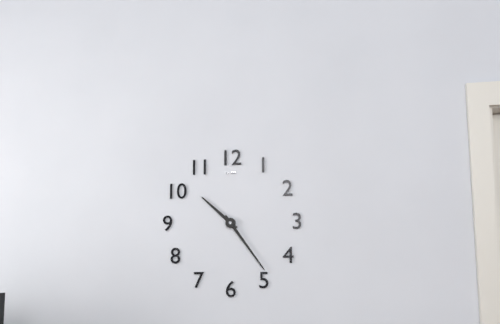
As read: {"hour": 10, "minute": 24}
